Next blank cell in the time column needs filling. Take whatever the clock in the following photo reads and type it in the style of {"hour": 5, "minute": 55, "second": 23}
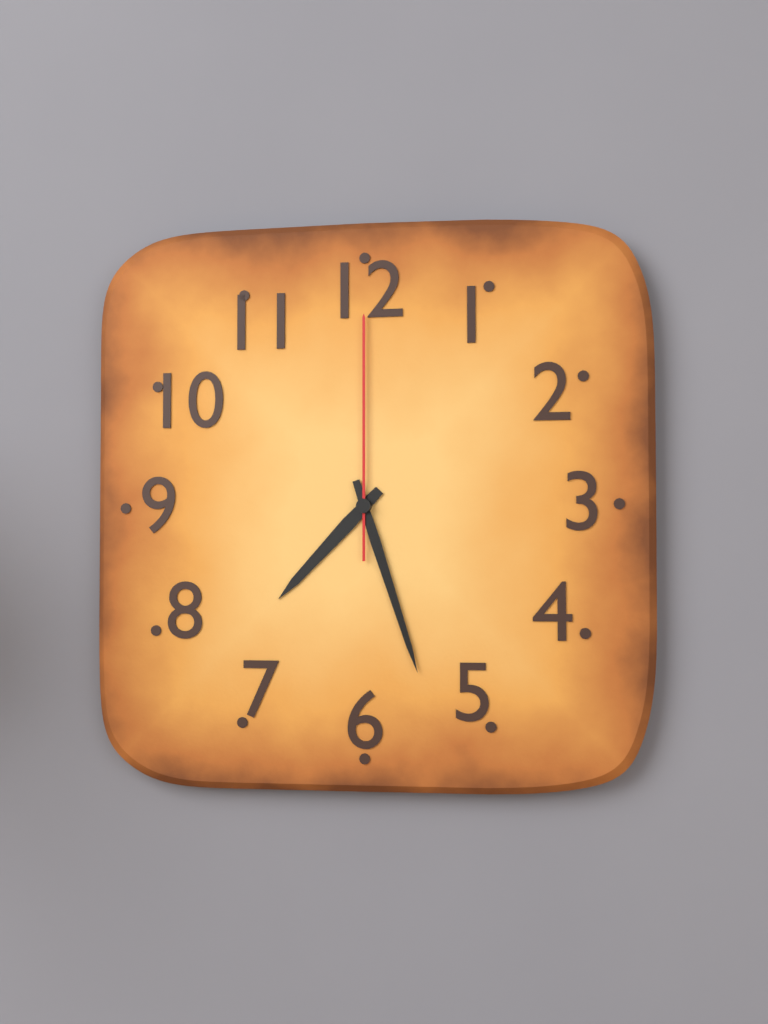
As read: {"hour": 7, "minute": 27, "second": 0}
